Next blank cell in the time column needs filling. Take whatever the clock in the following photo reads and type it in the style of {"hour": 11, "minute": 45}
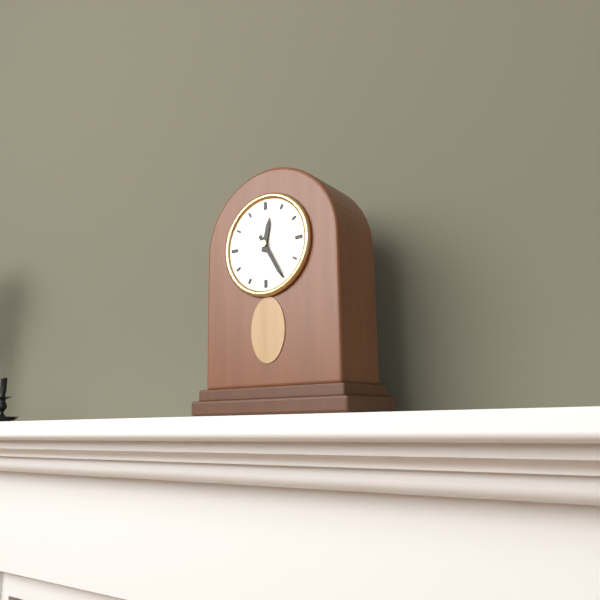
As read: {"hour": 12, "minute": 25}
